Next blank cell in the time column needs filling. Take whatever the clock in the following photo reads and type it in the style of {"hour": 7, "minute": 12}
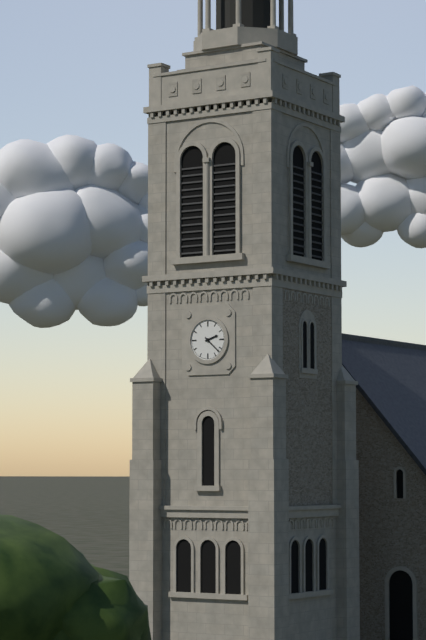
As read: {"hour": 2, "minute": 22}
